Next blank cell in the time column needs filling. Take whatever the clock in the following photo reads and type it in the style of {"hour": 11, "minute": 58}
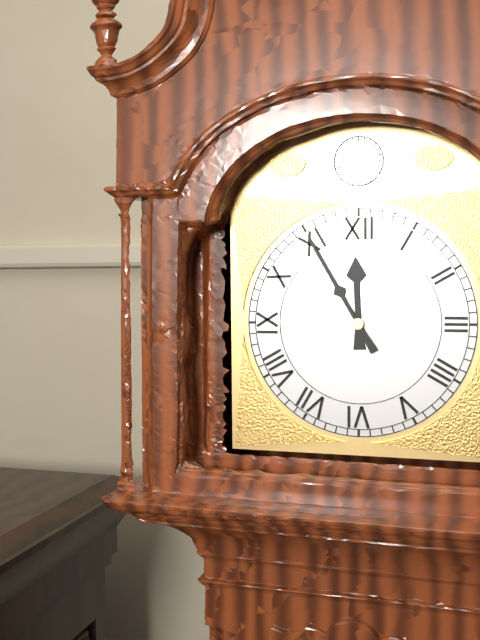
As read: {"hour": 11, "minute": 55}
